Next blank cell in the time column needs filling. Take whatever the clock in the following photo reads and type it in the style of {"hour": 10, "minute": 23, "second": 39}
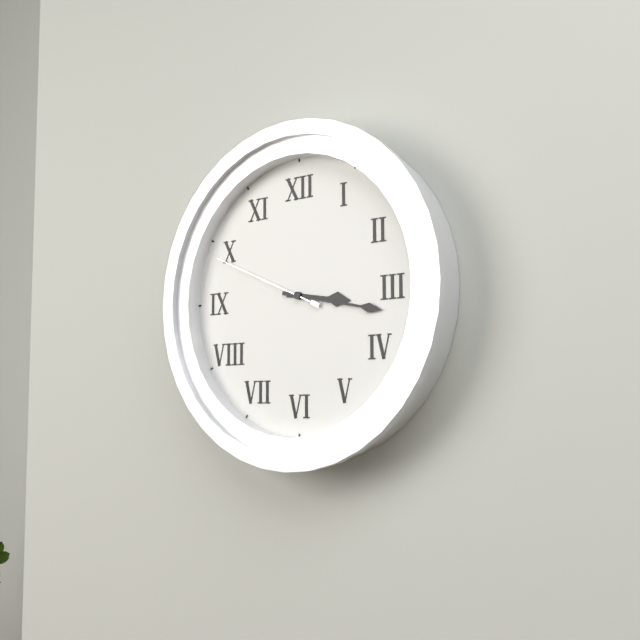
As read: {"hour": 3, "minute": 17, "second": 49}
